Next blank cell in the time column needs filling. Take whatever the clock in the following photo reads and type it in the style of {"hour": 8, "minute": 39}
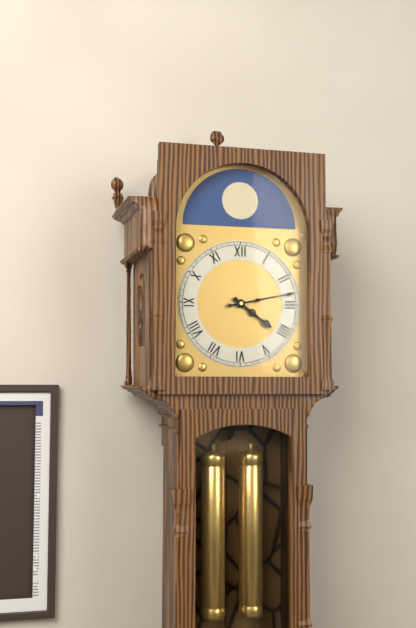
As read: {"hour": 4, "minute": 13}
